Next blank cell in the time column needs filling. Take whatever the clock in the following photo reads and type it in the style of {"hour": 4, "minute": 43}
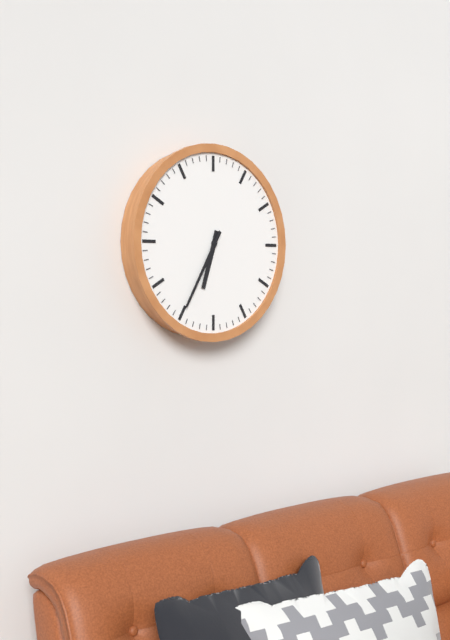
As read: {"hour": 6, "minute": 35}
